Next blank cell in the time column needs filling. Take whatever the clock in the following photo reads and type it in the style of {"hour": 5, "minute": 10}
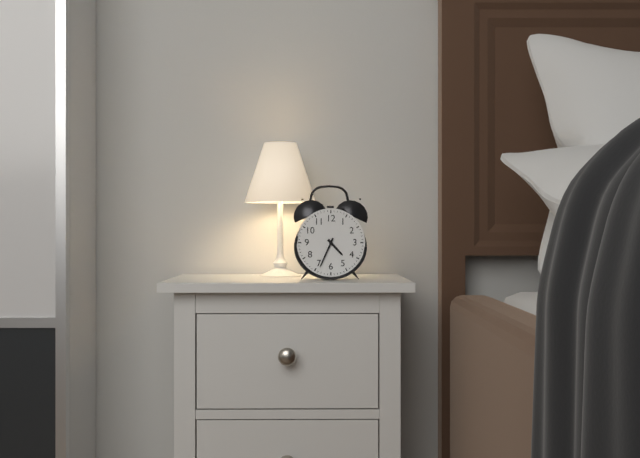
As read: {"hour": 4, "minute": 34}
